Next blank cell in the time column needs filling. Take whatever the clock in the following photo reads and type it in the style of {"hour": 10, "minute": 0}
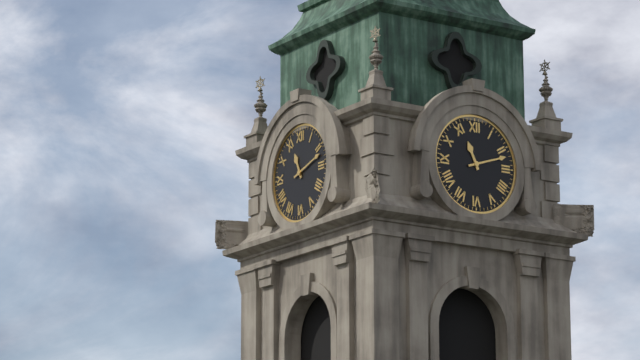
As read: {"hour": 11, "minute": 12}
